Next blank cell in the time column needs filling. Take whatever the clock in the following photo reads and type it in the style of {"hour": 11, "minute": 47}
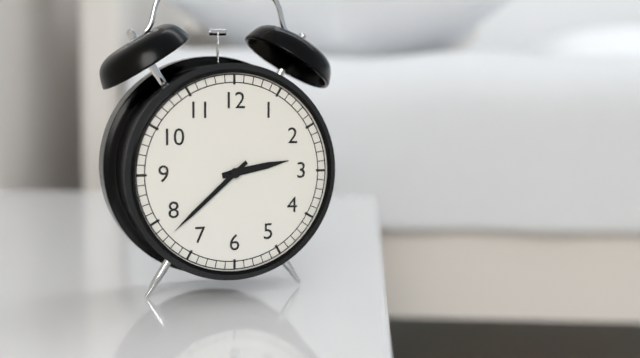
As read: {"hour": 2, "minute": 38}
